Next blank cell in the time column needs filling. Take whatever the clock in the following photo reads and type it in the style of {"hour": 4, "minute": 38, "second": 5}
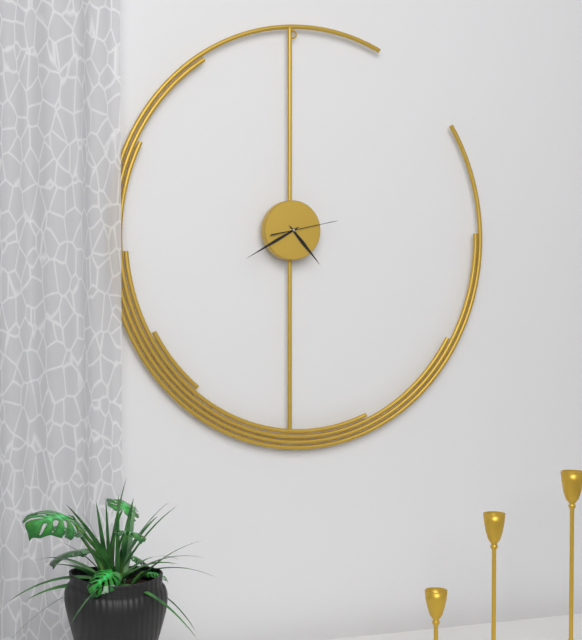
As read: {"hour": 4, "minute": 40, "second": 13}
